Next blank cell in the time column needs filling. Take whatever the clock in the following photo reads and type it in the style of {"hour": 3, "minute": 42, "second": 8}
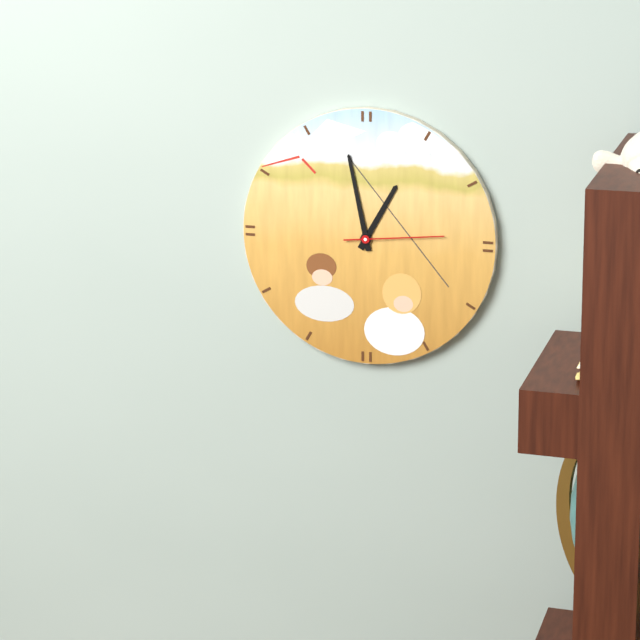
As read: {"hour": 12, "minute": 58, "second": 14}
